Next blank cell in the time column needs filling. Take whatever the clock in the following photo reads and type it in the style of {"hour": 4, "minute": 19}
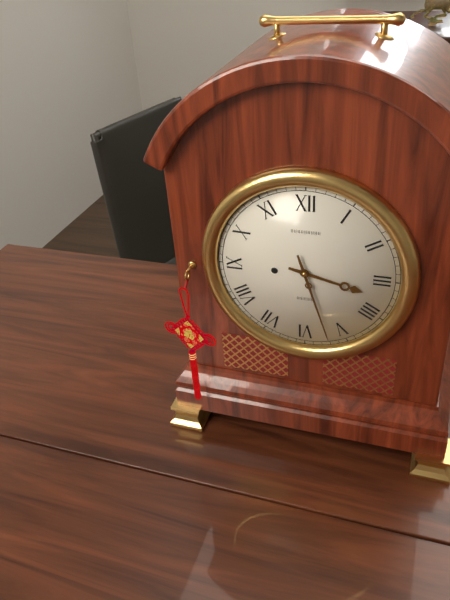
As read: {"hour": 3, "minute": 27}
